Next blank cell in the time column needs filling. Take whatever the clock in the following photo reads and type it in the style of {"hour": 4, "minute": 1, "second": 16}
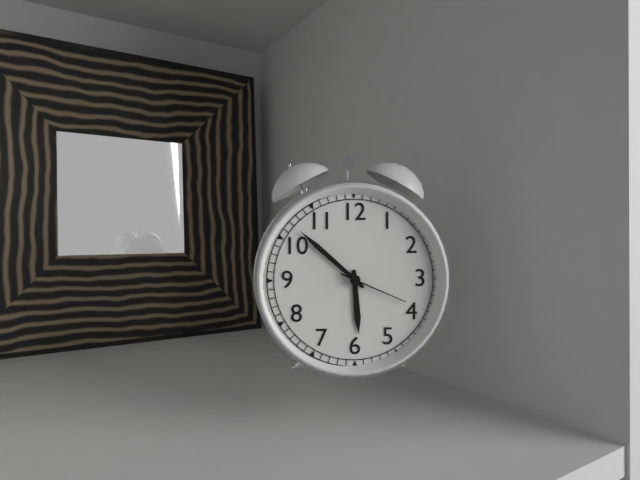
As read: {"hour": 5, "minute": 52, "second": 19}
